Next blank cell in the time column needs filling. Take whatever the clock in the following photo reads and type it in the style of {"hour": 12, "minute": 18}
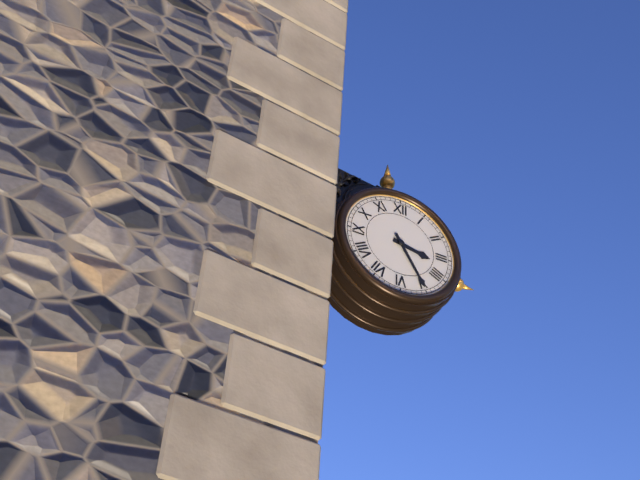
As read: {"hour": 3, "minute": 25}
